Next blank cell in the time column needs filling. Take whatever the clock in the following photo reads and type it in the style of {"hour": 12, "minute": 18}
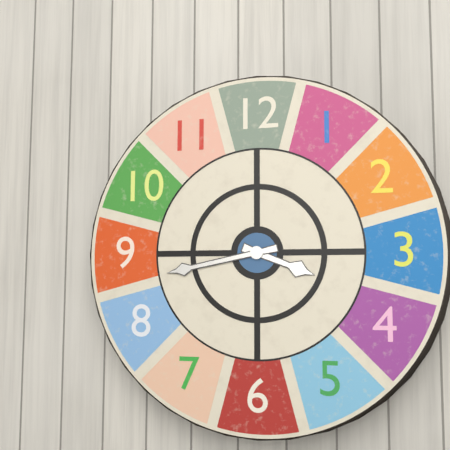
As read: {"hour": 3, "minute": 43}
